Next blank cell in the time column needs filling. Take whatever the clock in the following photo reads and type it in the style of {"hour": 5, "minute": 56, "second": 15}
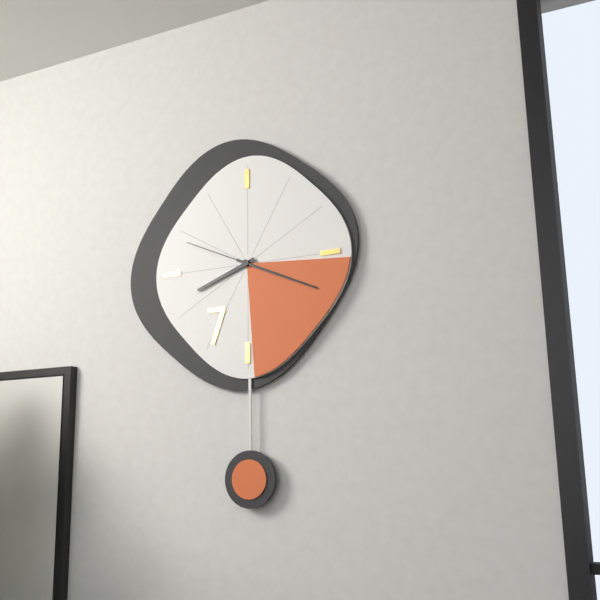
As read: {"hour": 8, "minute": 19, "second": 49}
